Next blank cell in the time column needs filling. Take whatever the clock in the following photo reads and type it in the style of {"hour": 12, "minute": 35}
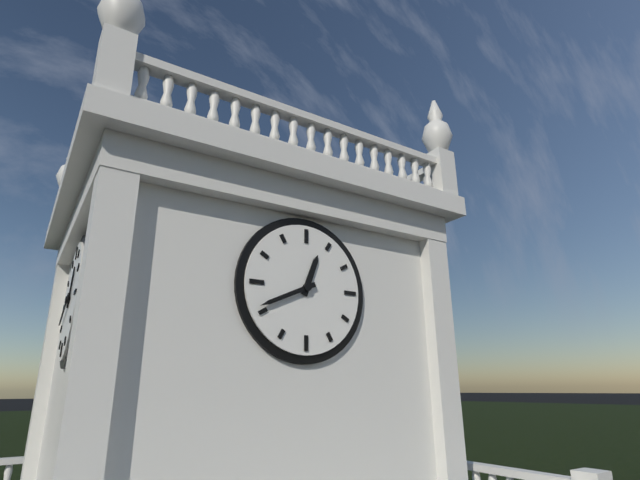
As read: {"hour": 12, "minute": 41}
